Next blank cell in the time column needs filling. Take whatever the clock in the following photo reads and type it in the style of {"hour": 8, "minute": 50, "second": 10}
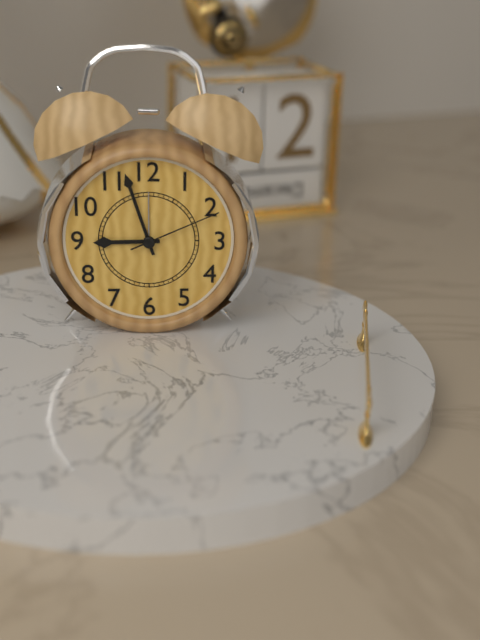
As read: {"hour": 8, "minute": 57, "second": 11}
